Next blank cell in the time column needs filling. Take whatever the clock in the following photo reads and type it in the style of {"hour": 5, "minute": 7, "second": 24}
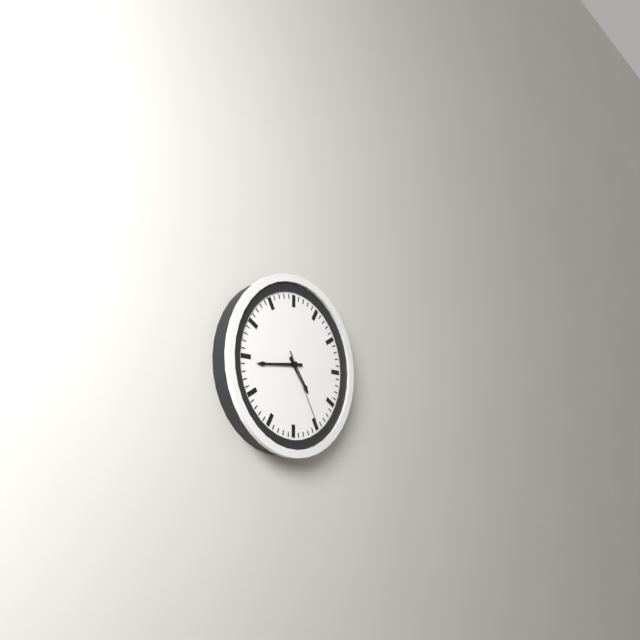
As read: {"hour": 4, "minute": 44, "second": 25}
